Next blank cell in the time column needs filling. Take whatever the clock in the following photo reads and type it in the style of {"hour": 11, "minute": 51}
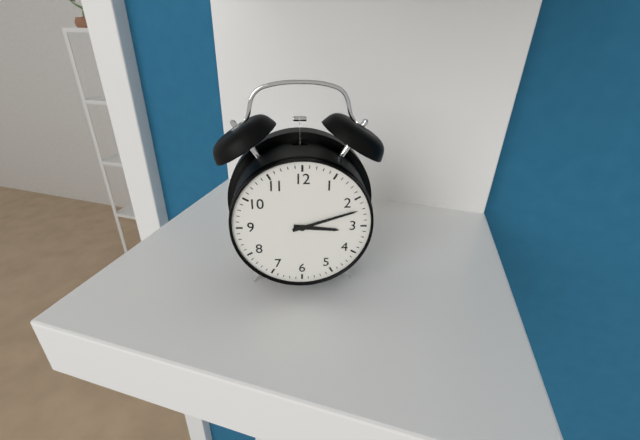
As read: {"hour": 3, "minute": 12}
